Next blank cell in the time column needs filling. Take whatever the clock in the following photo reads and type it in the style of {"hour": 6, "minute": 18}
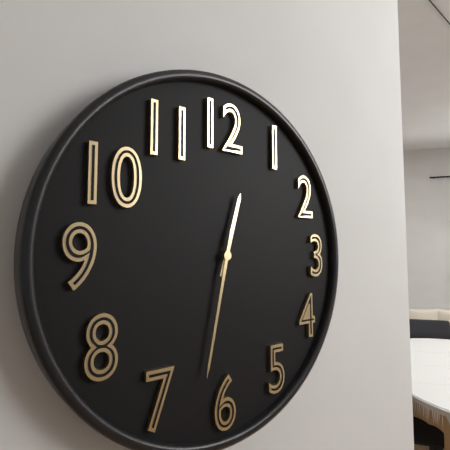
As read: {"hour": 12, "minute": 32}
